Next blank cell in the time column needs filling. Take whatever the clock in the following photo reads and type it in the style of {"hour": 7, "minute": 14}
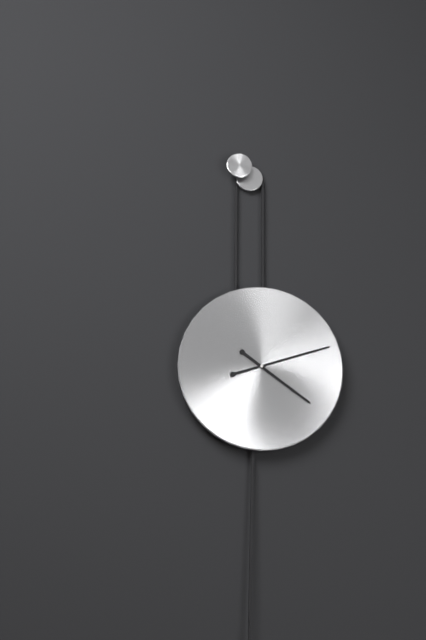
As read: {"hour": 4, "minute": 12}
